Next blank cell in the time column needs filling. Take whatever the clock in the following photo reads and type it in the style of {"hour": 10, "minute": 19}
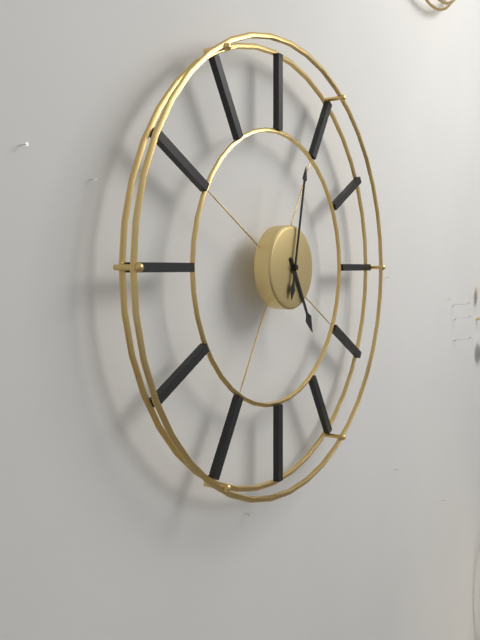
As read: {"hour": 5, "minute": 2}
